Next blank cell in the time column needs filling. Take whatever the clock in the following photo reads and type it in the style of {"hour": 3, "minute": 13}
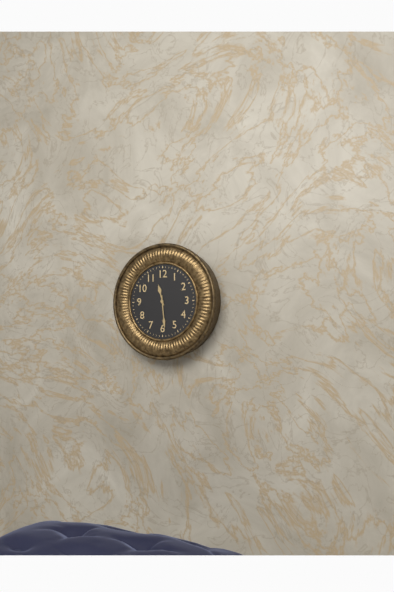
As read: {"hour": 11, "minute": 29}
